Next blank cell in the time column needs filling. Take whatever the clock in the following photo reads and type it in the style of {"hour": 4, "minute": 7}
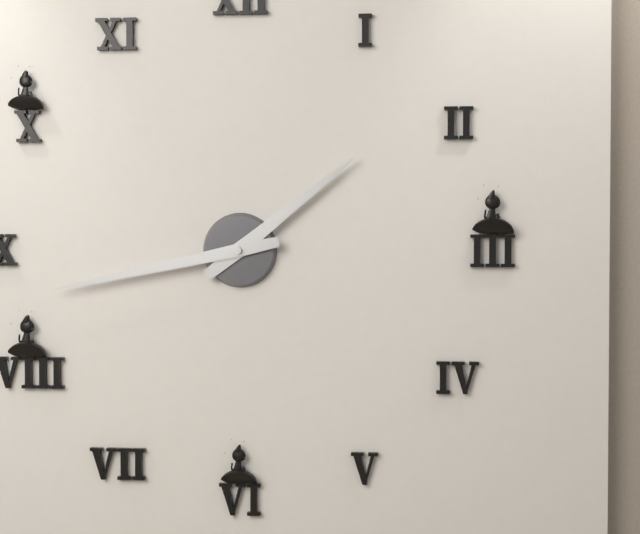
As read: {"hour": 1, "minute": 43}
